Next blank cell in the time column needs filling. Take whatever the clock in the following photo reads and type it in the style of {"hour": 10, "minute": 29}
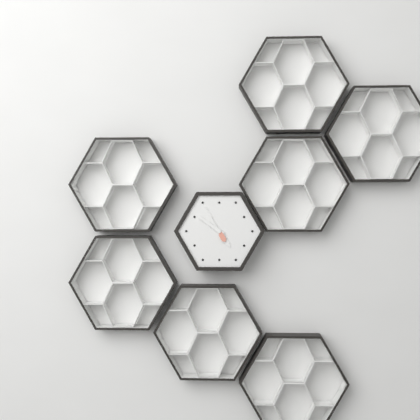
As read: {"hour": 4, "minute": 51}
